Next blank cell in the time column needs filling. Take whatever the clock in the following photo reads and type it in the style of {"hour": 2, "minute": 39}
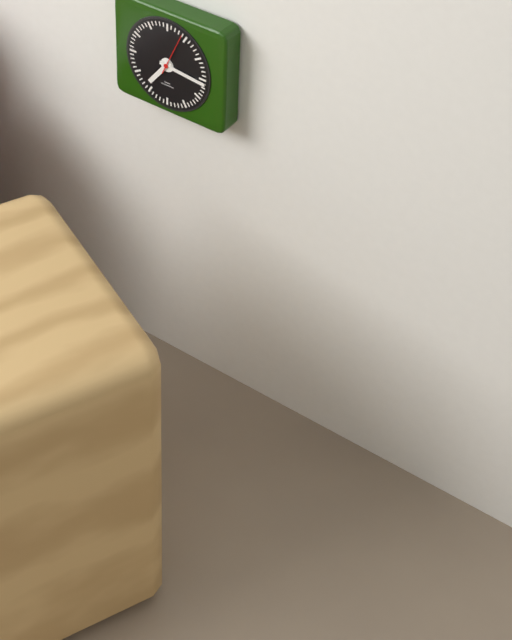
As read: {"hour": 7, "minute": 16}
